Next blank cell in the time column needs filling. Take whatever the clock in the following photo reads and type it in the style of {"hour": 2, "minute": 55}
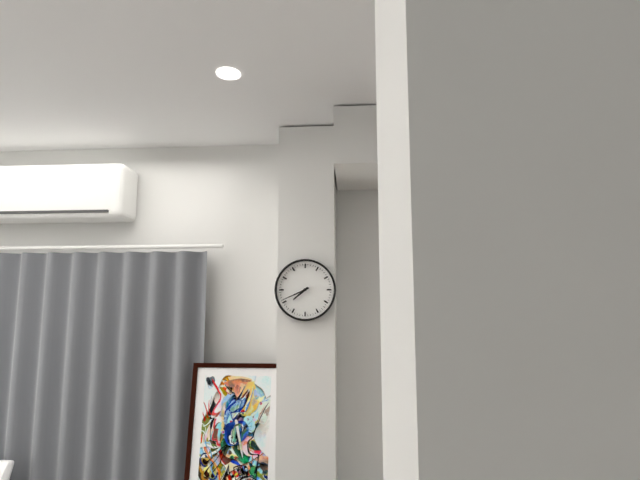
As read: {"hour": 7, "minute": 41}
